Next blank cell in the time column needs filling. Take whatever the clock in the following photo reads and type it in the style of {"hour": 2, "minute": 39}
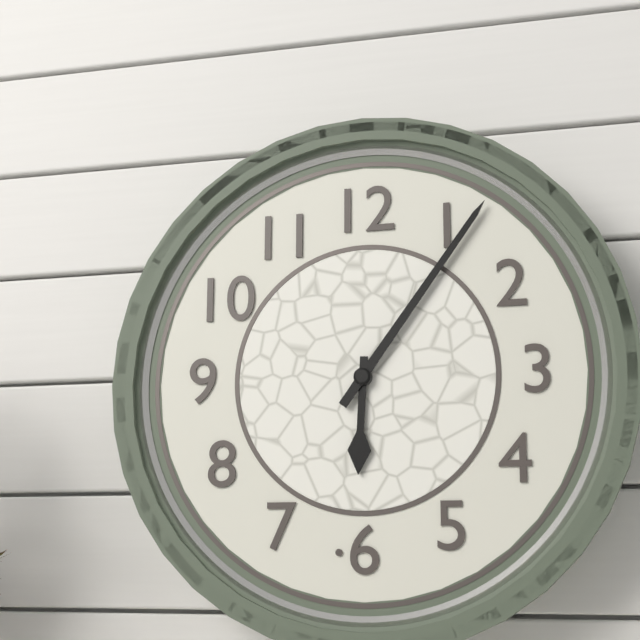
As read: {"hour": 6, "minute": 6}
